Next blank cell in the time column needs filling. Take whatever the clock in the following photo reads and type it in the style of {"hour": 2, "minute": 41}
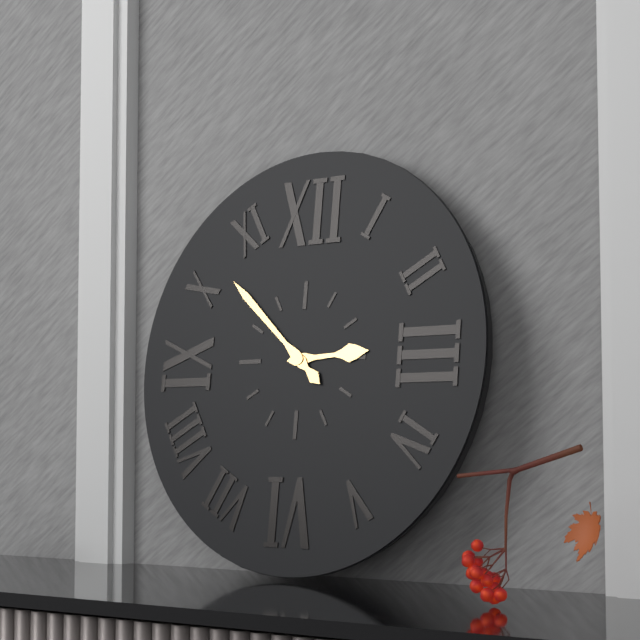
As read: {"hour": 2, "minute": 52}
